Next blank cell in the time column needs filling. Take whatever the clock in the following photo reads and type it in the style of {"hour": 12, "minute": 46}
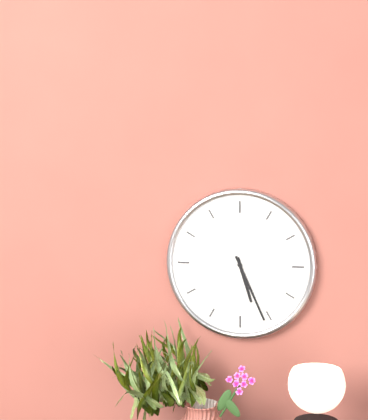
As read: {"hour": 5, "minute": 26}
